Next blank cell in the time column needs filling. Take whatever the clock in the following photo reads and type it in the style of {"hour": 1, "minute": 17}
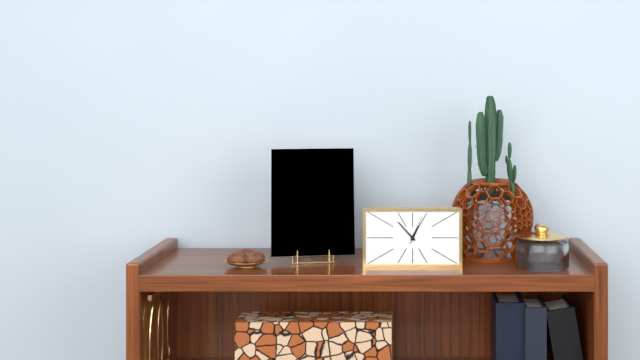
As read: {"hour": 12, "minute": 53}
